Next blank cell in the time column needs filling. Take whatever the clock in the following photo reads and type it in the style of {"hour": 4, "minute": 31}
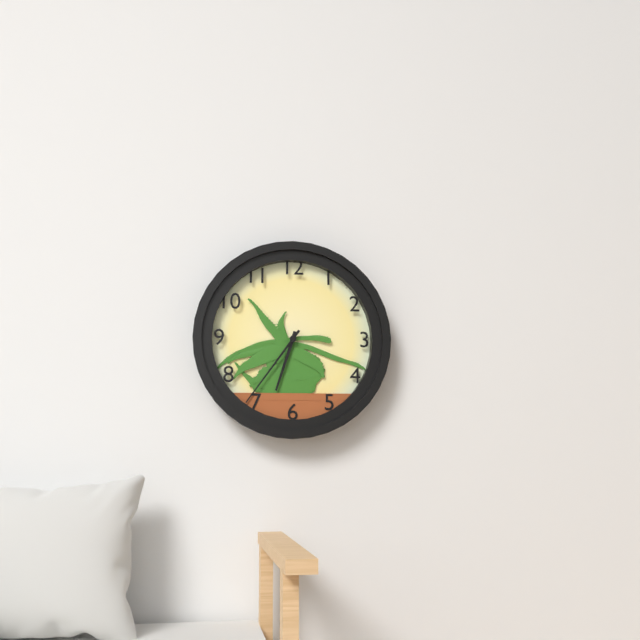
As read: {"hour": 6, "minute": 36}
